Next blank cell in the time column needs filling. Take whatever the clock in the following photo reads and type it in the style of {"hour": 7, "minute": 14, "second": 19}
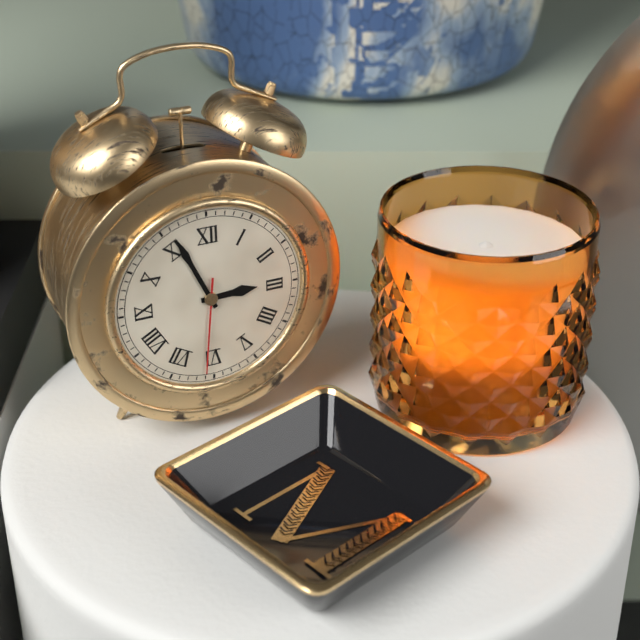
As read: {"hour": 2, "minute": 56, "second": 31}
